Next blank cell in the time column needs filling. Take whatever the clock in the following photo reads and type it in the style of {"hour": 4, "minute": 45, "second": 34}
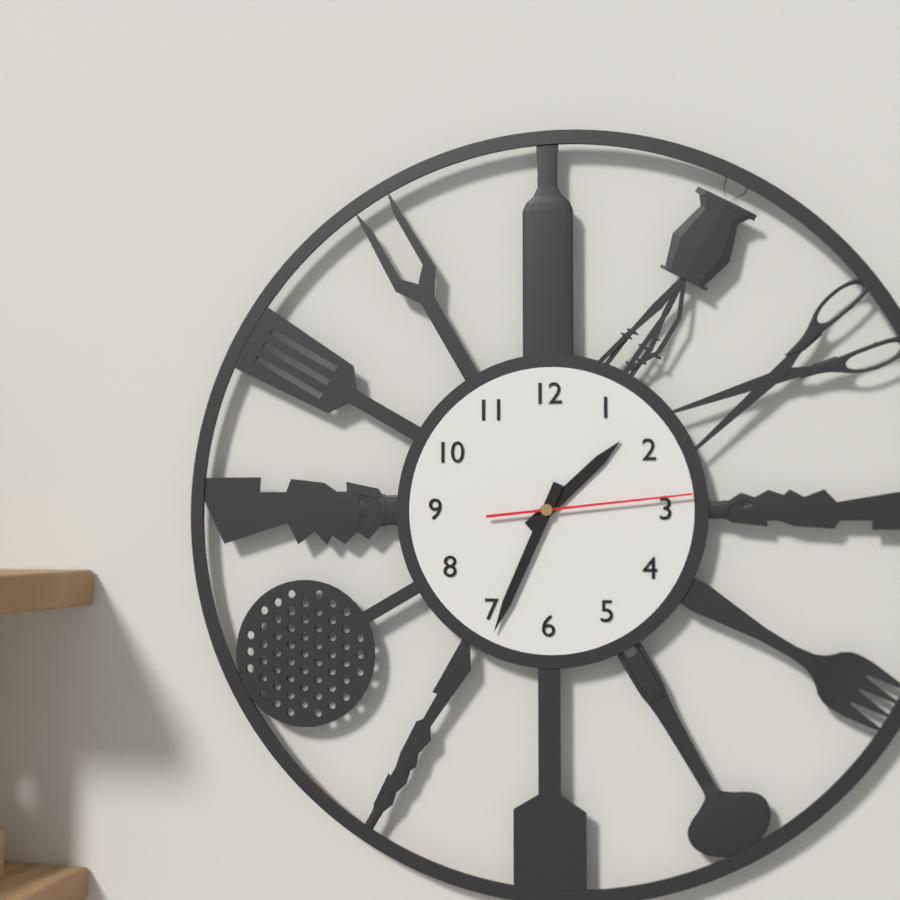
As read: {"hour": 1, "minute": 34, "second": 14}
